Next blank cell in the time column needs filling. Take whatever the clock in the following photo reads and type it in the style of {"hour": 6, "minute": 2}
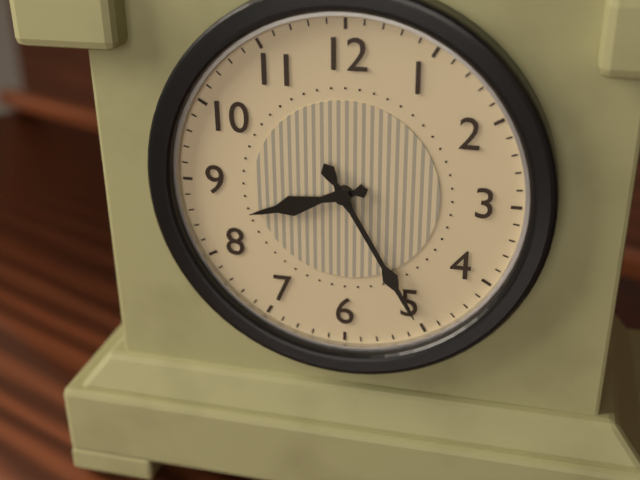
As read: {"hour": 8, "minute": 25}
